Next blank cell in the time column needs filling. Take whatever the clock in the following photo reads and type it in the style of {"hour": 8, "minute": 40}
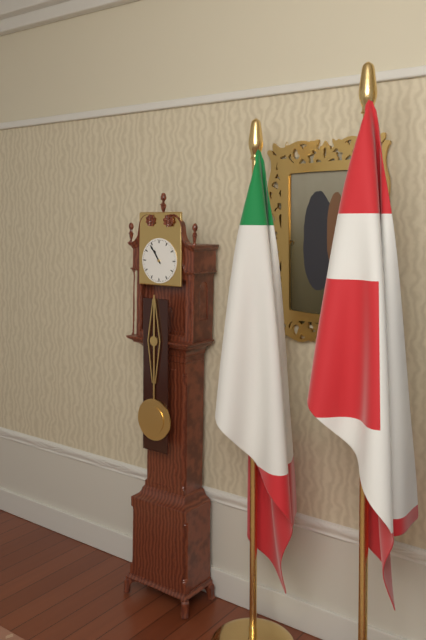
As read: {"hour": 10, "minute": 54}
